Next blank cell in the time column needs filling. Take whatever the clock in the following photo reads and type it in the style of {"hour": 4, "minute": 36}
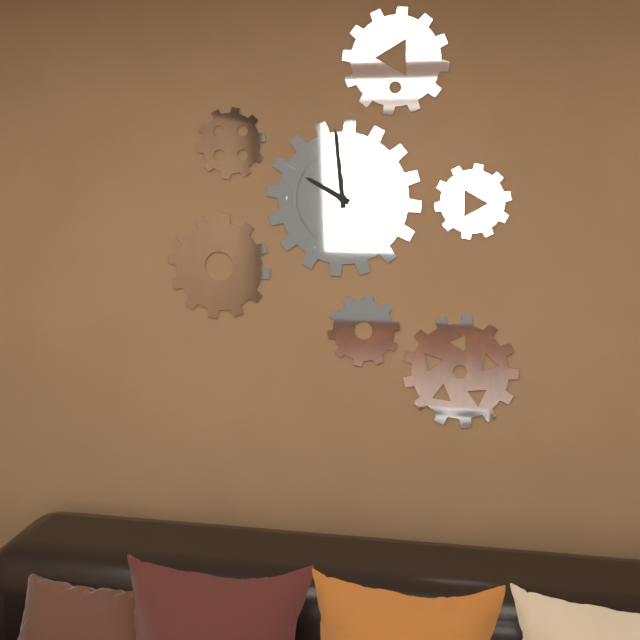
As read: {"hour": 9, "minute": 59}
